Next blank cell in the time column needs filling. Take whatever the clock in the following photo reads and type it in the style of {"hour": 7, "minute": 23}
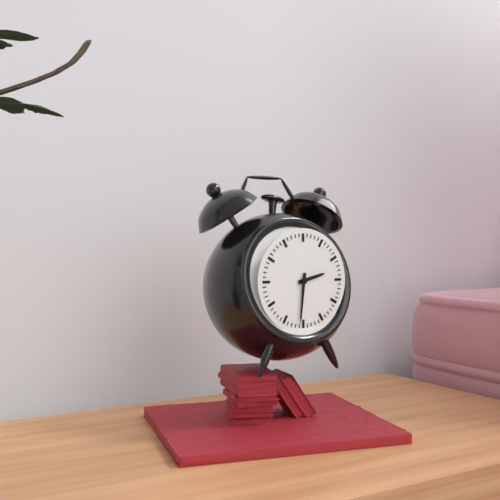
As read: {"hour": 2, "minute": 31}
